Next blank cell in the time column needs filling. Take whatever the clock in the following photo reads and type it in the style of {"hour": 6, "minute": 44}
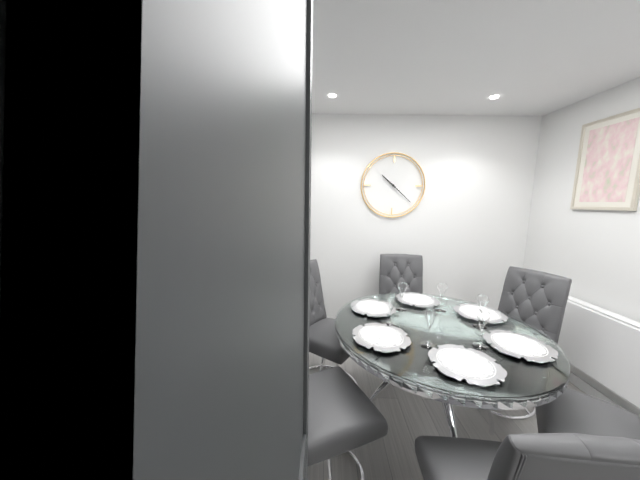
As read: {"hour": 10, "minute": 22}
